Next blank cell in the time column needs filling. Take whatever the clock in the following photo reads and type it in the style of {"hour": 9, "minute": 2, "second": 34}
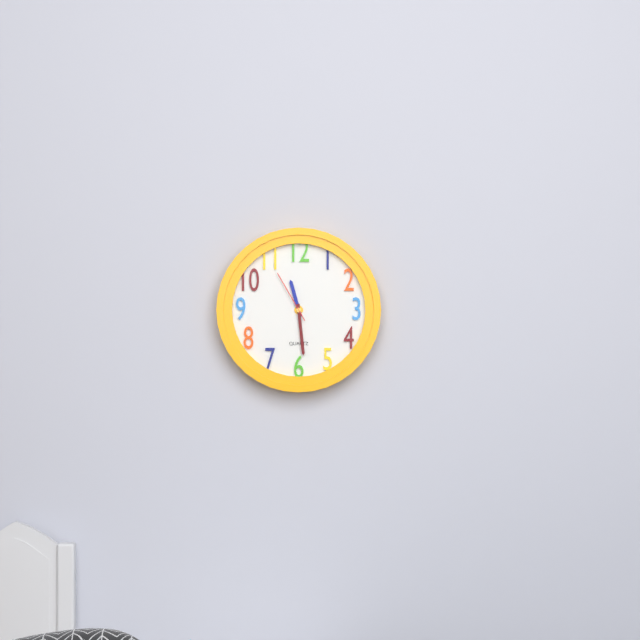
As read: {"hour": 11, "minute": 29, "second": 55}
